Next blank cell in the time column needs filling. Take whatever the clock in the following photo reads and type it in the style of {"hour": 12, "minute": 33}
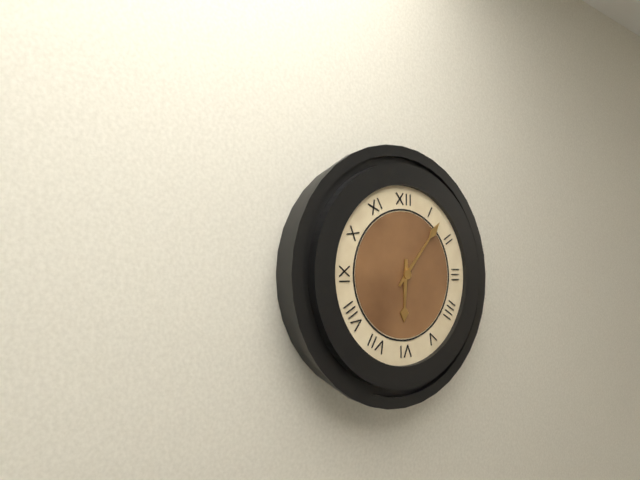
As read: {"hour": 6, "minute": 7}
